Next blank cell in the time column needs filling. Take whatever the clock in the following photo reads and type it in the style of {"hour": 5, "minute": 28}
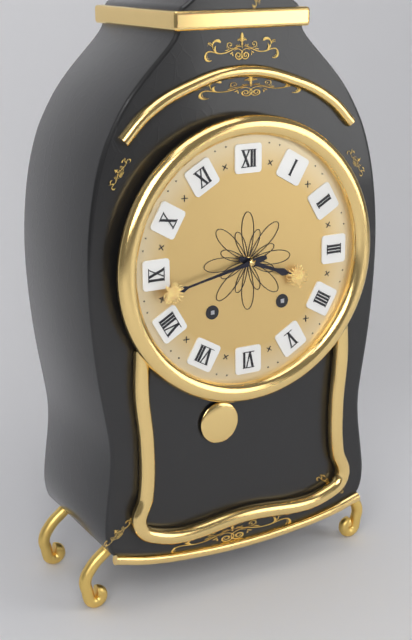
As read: {"hour": 3, "minute": 43}
